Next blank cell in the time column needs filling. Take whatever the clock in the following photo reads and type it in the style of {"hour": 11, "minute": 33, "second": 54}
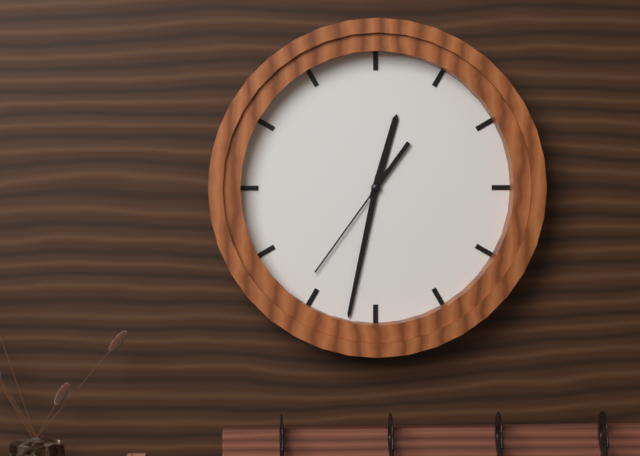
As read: {"hour": 12, "minute": 32, "second": 36}
